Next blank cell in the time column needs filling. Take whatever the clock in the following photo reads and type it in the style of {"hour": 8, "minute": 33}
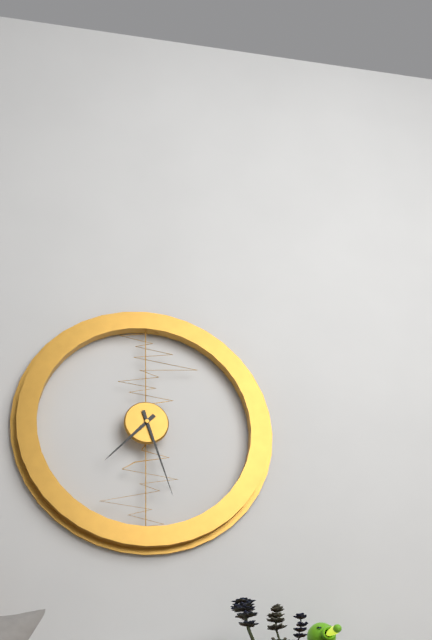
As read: {"hour": 7, "minute": 27}
